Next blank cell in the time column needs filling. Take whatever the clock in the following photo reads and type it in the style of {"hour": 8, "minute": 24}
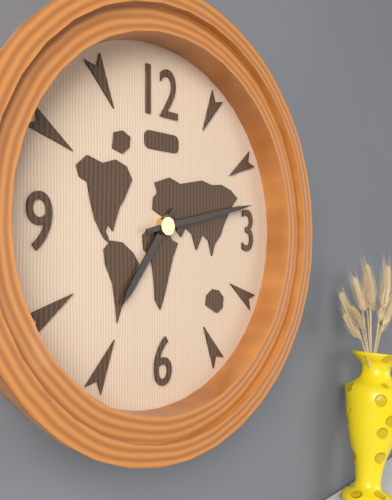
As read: {"hour": 7, "minute": 13}
